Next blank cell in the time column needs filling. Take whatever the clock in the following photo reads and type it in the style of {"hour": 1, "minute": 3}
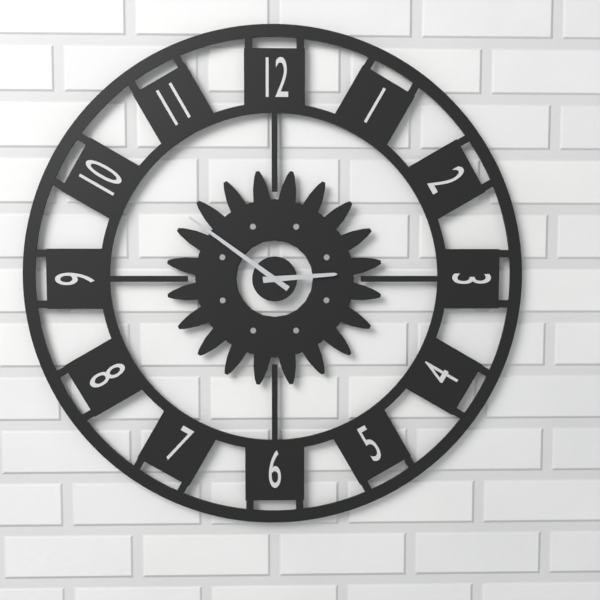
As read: {"hour": 2, "minute": 51}
